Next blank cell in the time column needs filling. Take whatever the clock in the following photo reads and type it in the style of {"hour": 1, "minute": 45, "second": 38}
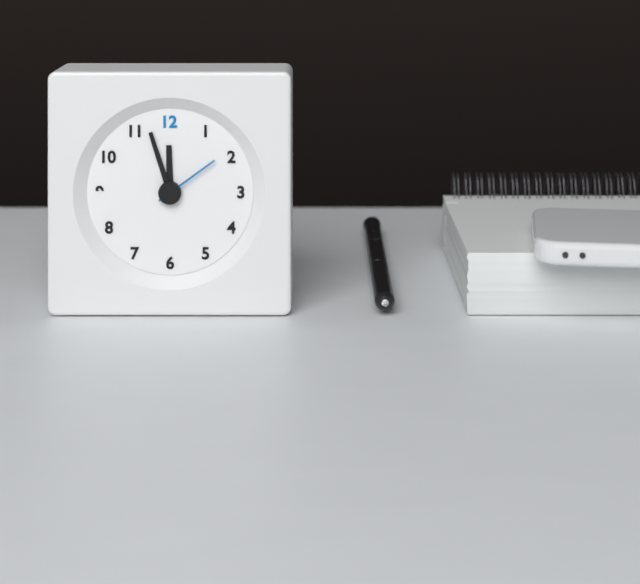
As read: {"hour": 11, "minute": 57, "second": 9}
